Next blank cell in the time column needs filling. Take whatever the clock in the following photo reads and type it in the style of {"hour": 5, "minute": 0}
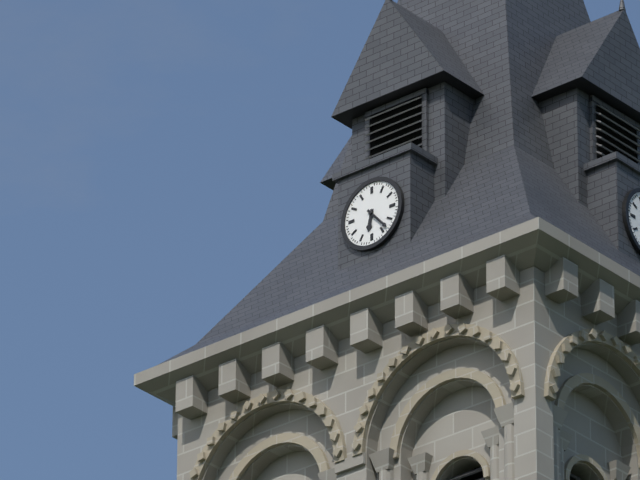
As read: {"hour": 6, "minute": 23}
